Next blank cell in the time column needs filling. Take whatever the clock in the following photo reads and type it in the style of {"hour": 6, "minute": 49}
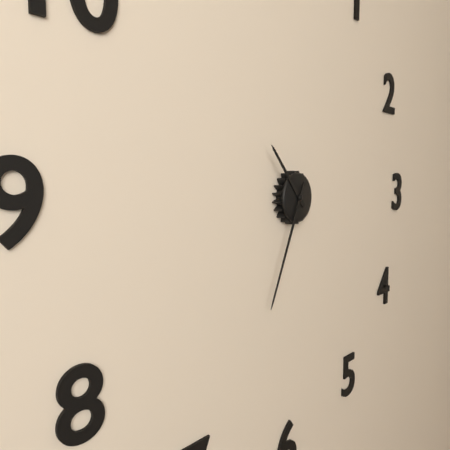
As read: {"hour": 10, "minute": 34}
